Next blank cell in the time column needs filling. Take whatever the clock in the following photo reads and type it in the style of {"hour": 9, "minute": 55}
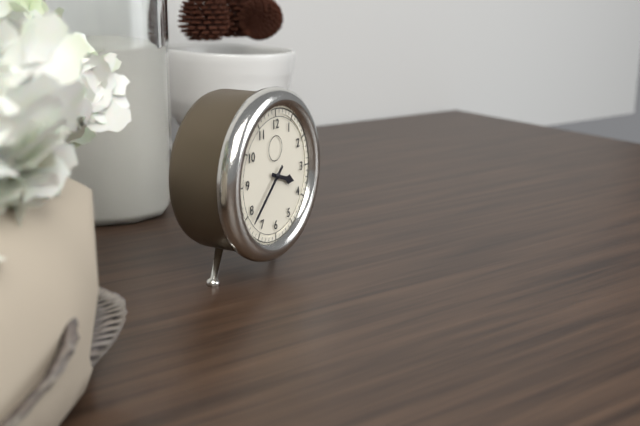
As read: {"hour": 3, "minute": 38}
